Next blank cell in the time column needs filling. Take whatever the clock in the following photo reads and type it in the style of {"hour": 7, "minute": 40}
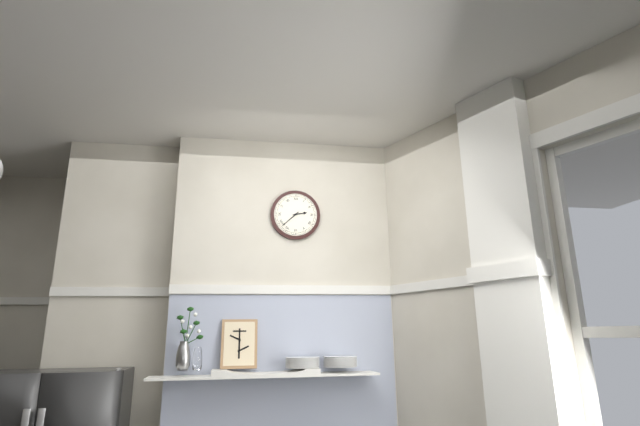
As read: {"hour": 2, "minute": 38}
